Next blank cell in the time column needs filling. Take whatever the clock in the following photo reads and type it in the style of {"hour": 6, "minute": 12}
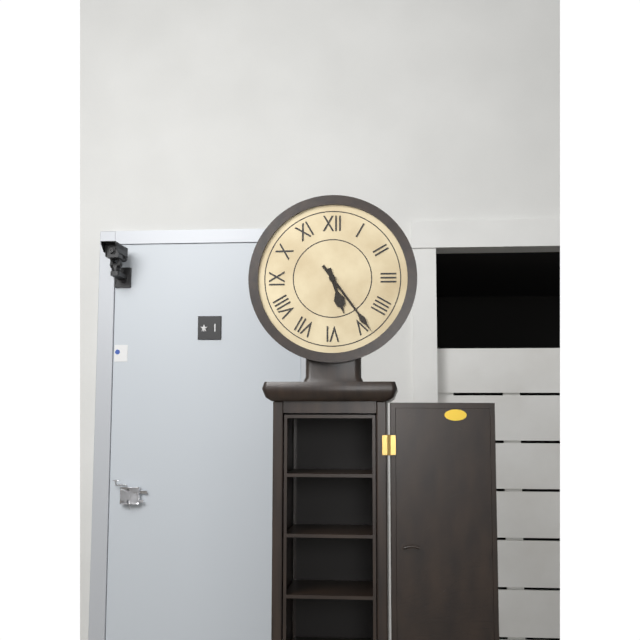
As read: {"hour": 5, "minute": 24}
